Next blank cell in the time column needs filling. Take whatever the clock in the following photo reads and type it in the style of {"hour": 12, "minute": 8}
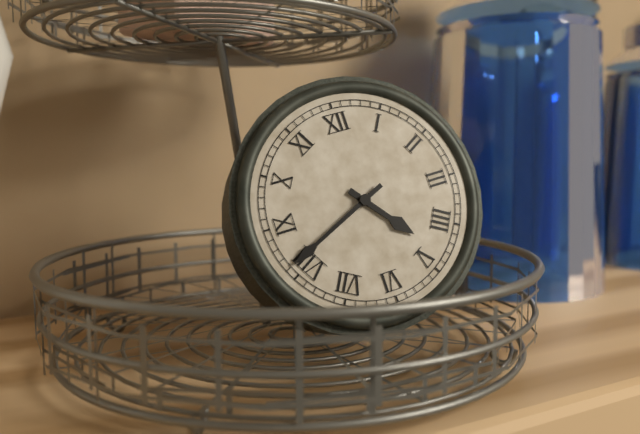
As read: {"hour": 4, "minute": 41}
